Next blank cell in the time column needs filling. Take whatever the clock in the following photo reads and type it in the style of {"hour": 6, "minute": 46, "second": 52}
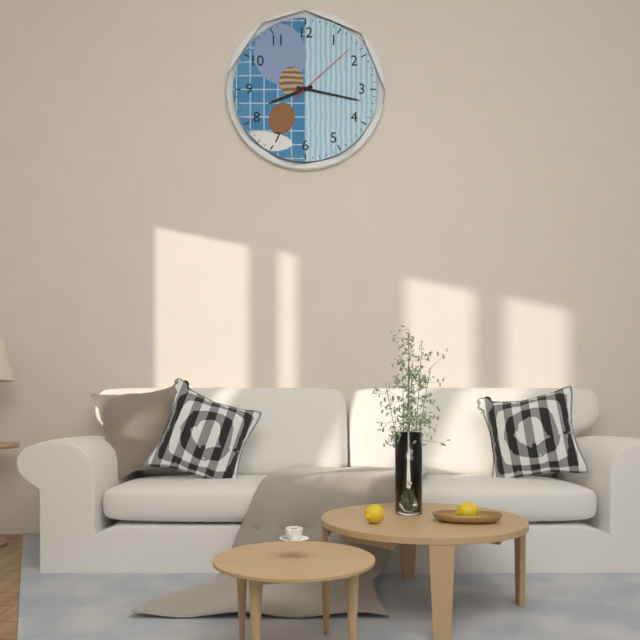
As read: {"hour": 8, "minute": 17, "second": 8}
